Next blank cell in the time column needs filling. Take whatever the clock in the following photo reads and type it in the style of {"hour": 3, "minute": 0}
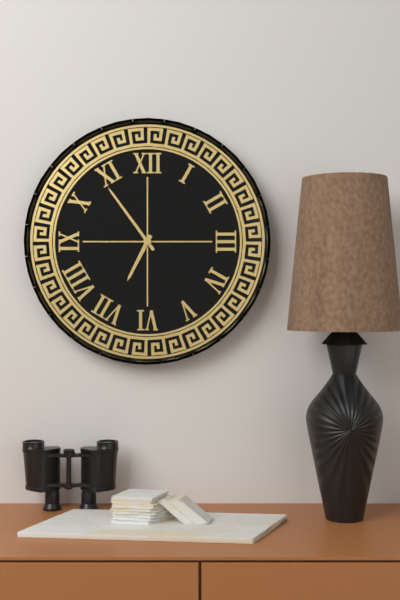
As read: {"hour": 6, "minute": 54}
